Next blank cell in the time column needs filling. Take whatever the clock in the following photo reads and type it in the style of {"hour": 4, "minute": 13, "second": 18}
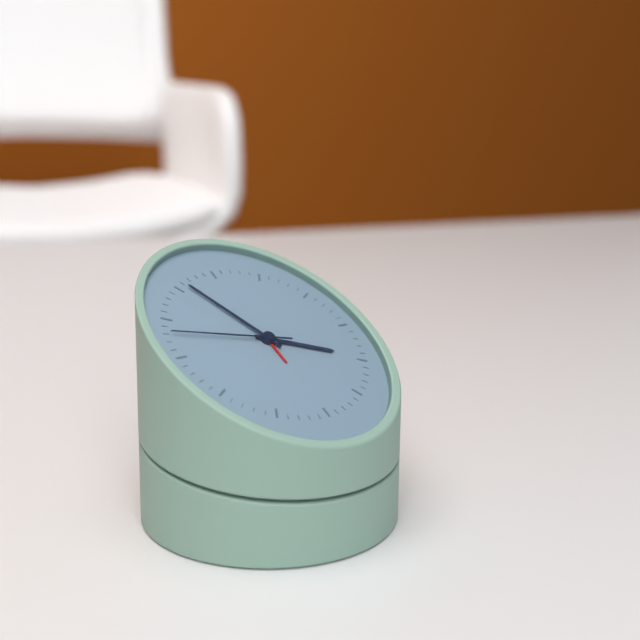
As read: {"hour": 3, "minute": 56, "second": 48}
